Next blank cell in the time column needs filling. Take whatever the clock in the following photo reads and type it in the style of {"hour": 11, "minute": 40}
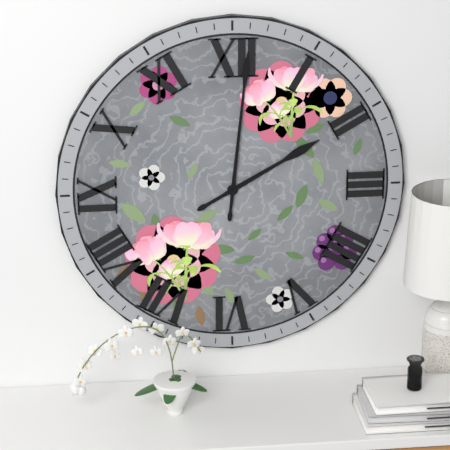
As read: {"hour": 2, "minute": 1}
